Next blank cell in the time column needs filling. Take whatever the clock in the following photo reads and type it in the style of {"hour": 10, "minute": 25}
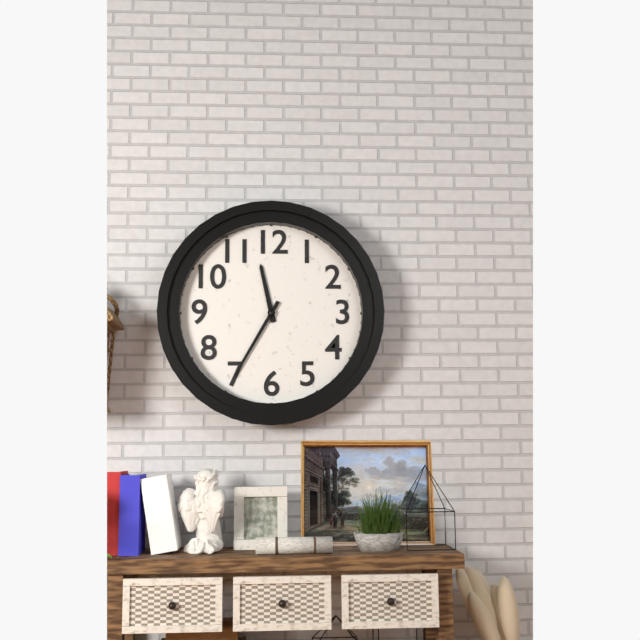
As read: {"hour": 11, "minute": 35}
